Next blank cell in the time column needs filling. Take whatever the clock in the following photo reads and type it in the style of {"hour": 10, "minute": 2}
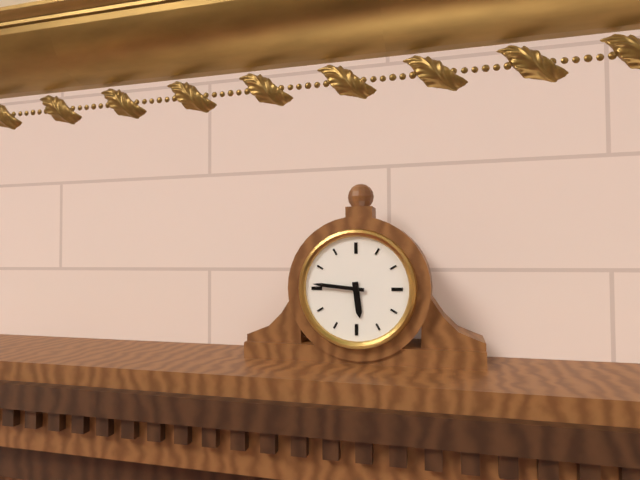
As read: {"hour": 5, "minute": 46}
